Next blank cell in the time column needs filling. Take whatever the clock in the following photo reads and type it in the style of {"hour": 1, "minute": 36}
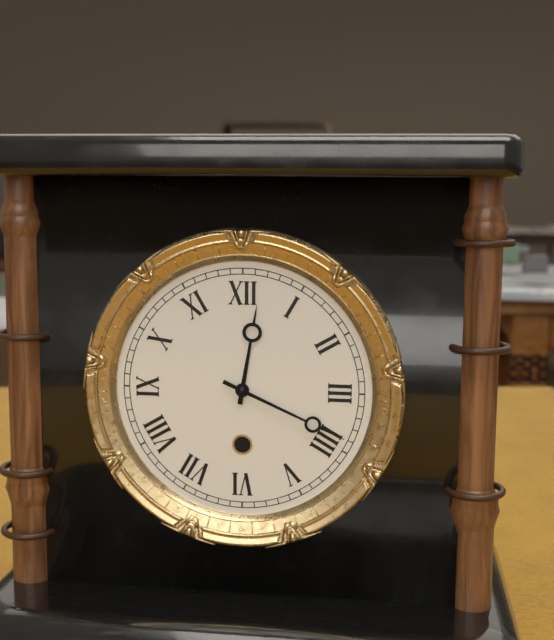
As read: {"hour": 12, "minute": 19}
